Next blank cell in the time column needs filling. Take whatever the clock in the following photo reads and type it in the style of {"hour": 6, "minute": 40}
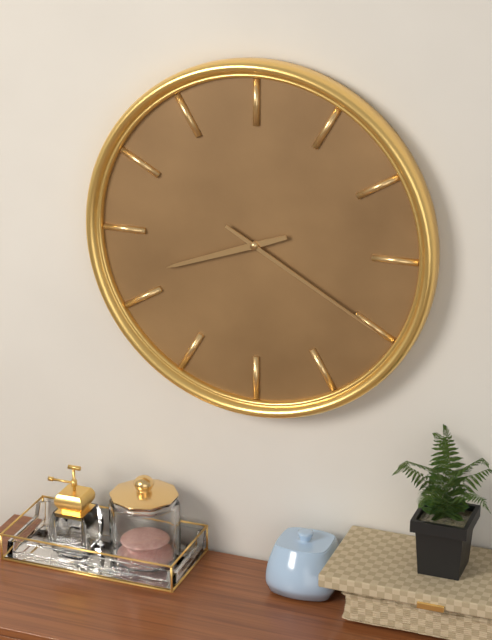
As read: {"hour": 8, "minute": 20}
